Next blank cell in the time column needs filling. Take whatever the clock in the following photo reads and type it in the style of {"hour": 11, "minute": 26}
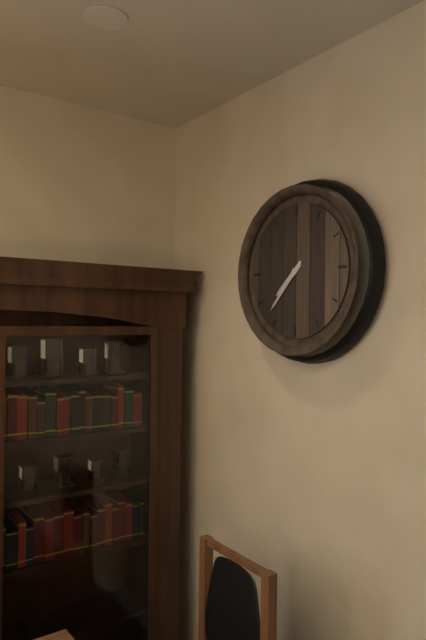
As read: {"hour": 7, "minute": 37}
